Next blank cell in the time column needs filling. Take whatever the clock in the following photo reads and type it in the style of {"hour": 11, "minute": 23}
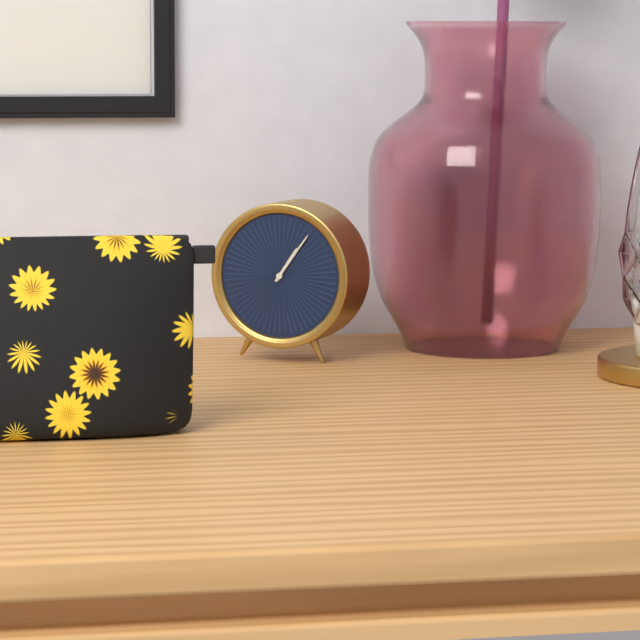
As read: {"hour": 1, "minute": 6}
